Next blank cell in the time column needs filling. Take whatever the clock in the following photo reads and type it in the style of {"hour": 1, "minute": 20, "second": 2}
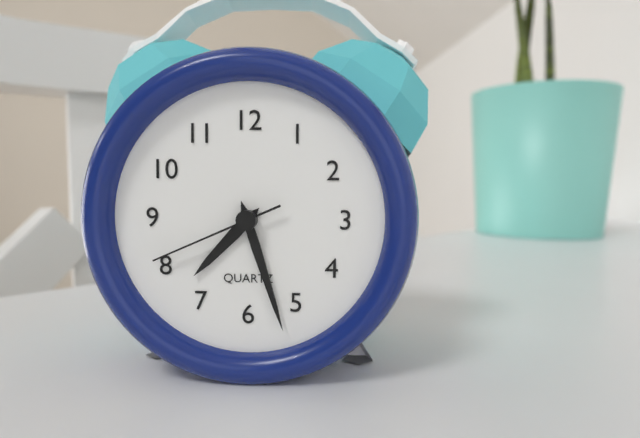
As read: {"hour": 7, "minute": 27, "second": 41}
